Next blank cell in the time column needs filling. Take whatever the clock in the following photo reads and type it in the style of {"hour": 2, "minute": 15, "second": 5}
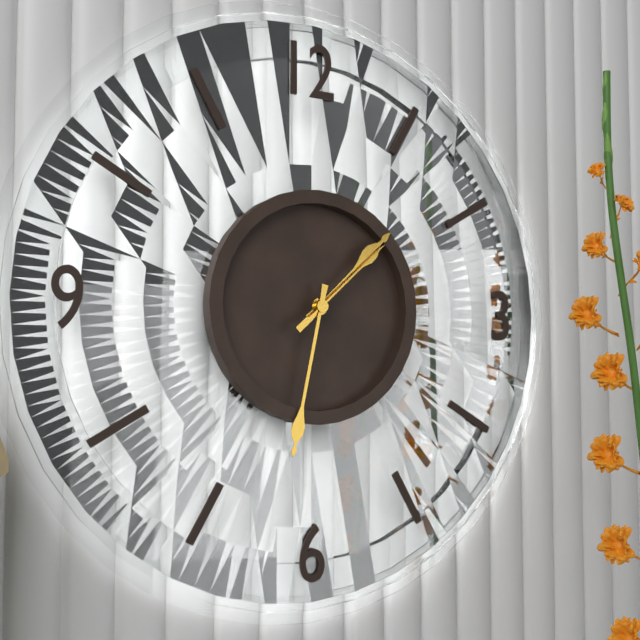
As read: {"hour": 1, "minute": 32, "second": 8}
